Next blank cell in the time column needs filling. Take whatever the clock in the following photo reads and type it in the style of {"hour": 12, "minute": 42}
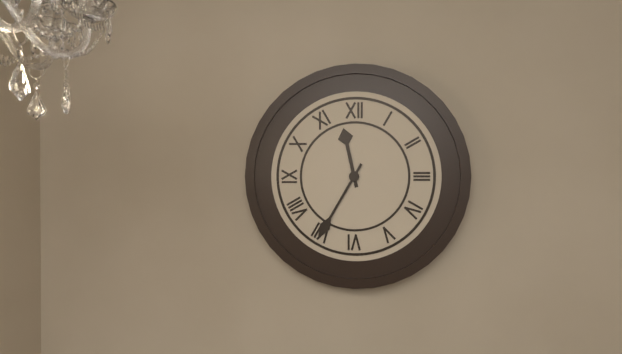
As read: {"hour": 11, "minute": 35}
